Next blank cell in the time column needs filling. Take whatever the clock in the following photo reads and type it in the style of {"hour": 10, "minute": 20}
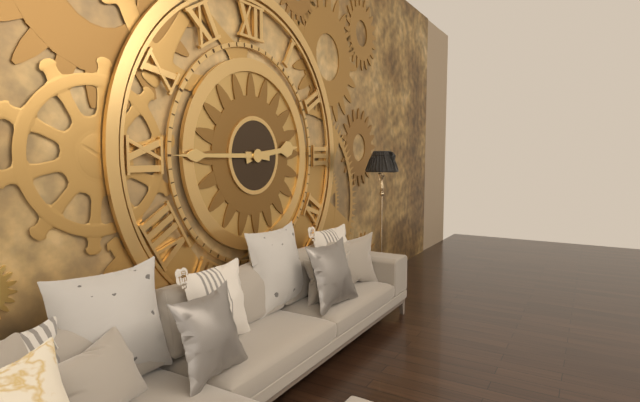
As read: {"hour": 2, "minute": 45}
